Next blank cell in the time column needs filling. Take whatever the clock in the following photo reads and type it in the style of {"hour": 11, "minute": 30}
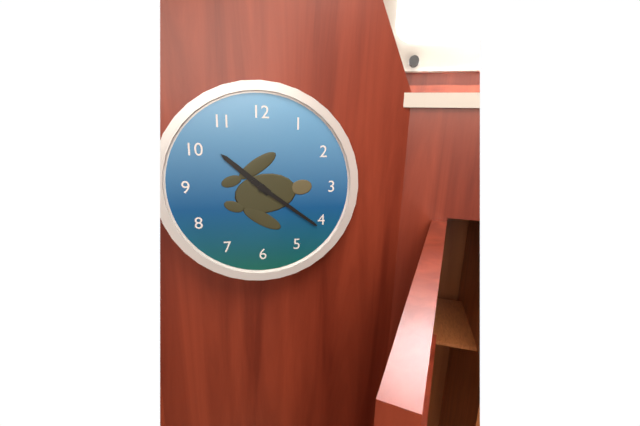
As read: {"hour": 10, "minute": 21}
